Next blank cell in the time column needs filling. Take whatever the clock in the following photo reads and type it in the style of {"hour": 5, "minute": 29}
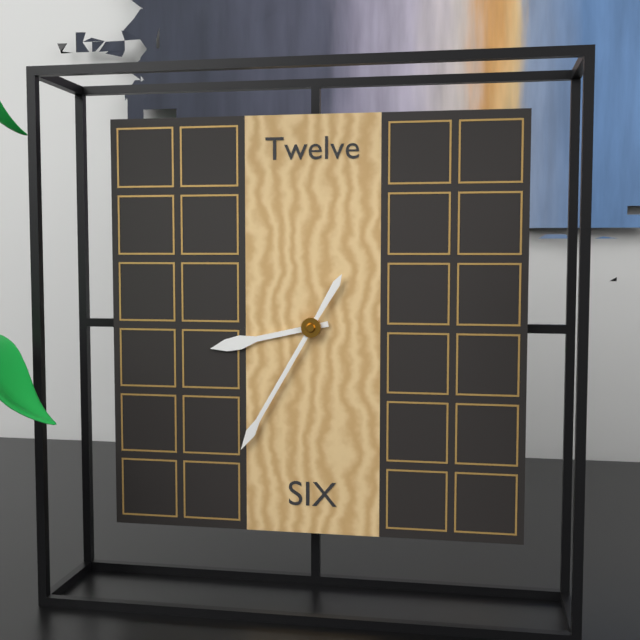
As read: {"hour": 8, "minute": 35}
